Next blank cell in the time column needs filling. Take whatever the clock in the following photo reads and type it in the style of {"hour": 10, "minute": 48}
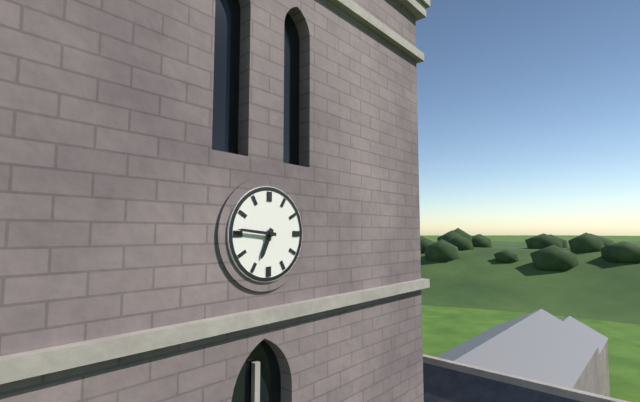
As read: {"hour": 6, "minute": 46}
